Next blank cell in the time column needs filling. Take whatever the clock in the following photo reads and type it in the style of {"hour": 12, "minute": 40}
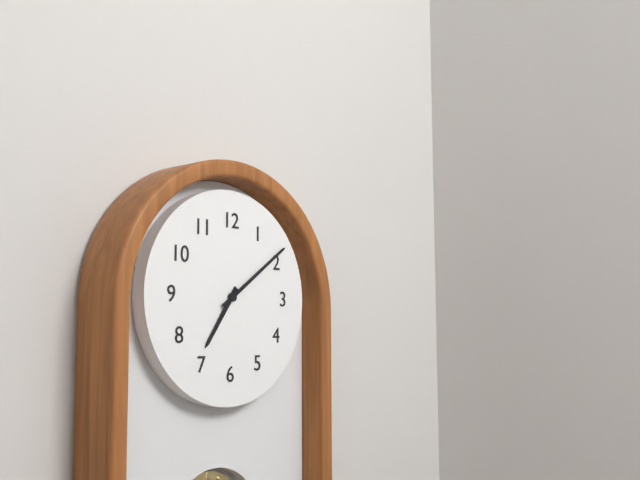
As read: {"hour": 7, "minute": 9}
